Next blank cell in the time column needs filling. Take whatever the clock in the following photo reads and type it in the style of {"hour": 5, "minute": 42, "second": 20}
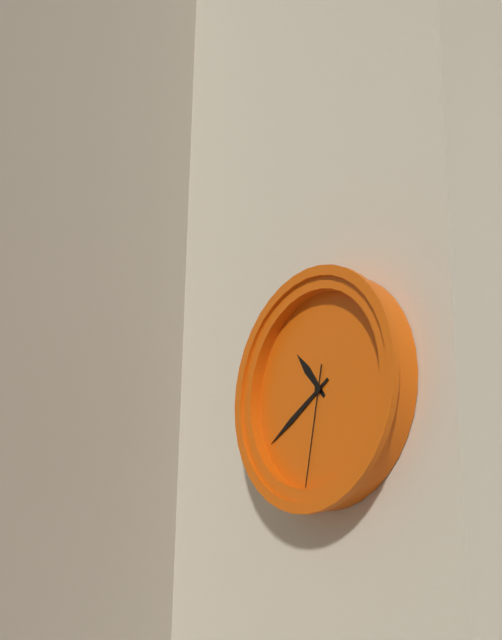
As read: {"hour": 10, "minute": 40, "second": 32}
